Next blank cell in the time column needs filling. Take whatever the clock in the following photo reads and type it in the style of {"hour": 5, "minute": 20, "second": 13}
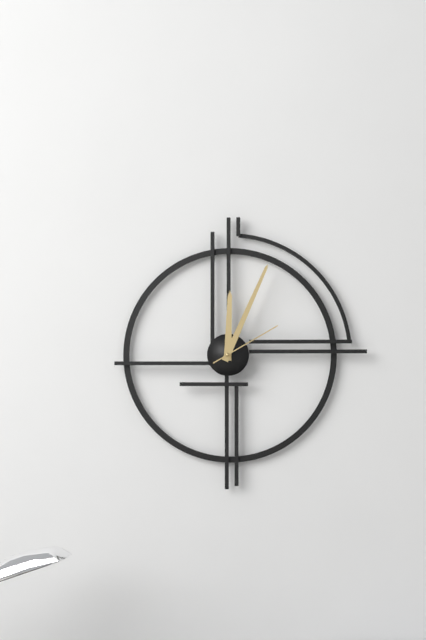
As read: {"hour": 12, "minute": 4, "second": 10}
